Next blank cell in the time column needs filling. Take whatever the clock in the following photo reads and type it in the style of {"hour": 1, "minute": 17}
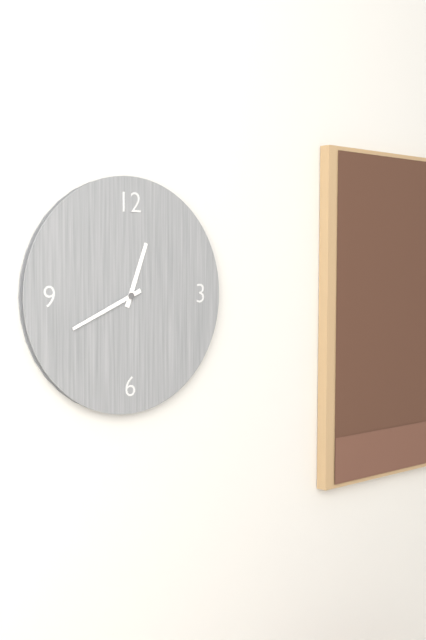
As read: {"hour": 12, "minute": 41}
